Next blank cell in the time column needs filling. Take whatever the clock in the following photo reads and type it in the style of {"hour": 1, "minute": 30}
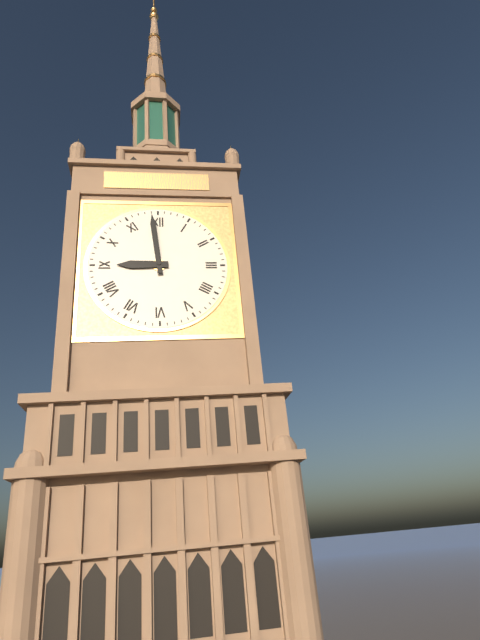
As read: {"hour": 8, "minute": 59}
